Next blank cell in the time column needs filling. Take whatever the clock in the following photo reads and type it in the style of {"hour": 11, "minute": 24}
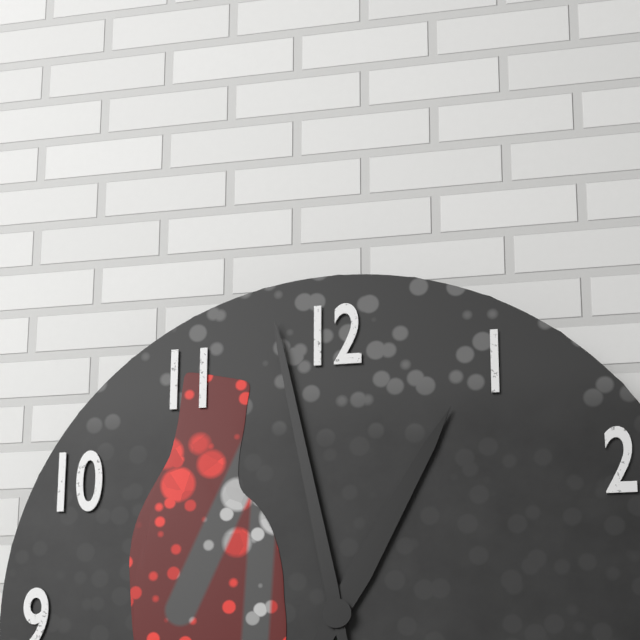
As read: {"hour": 12, "minute": 58}
